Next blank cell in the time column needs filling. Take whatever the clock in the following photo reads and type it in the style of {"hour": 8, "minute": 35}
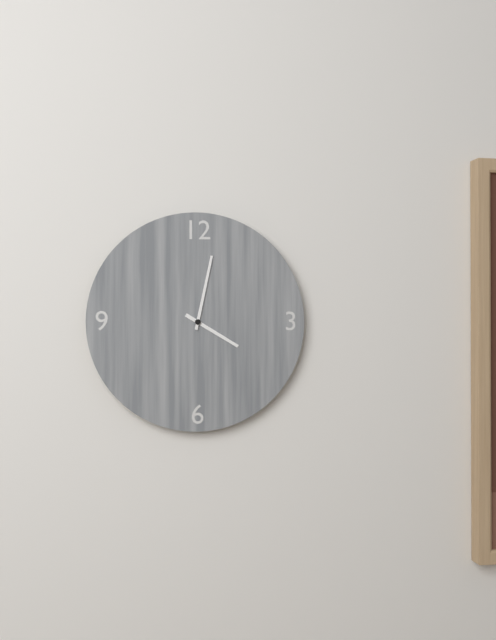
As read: {"hour": 4, "minute": 2}
